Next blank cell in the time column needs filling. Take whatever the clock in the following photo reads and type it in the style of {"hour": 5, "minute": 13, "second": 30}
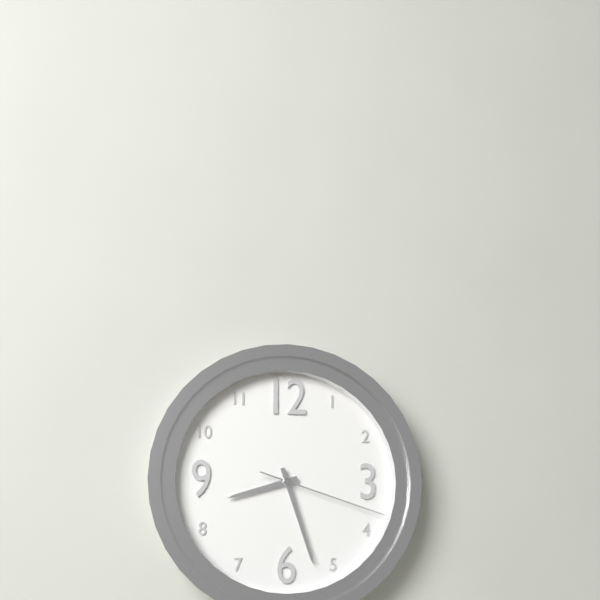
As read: {"hour": 8, "minute": 27, "second": 18}
